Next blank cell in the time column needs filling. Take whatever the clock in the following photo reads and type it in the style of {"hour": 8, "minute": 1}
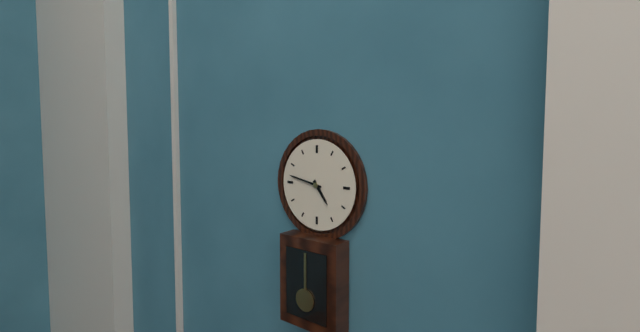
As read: {"hour": 4, "minute": 47}
